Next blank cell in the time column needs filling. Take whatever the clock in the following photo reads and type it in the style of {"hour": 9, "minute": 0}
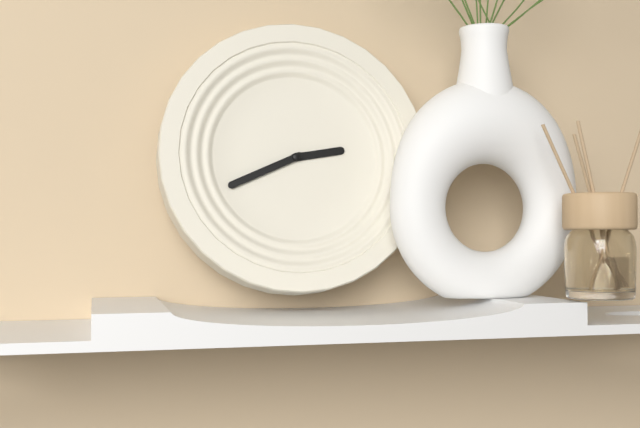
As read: {"hour": 2, "minute": 41}
